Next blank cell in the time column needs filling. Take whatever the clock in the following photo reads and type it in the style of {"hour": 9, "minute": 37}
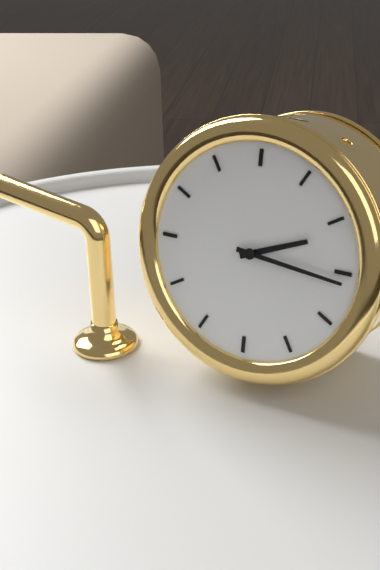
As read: {"hour": 2, "minute": 16}
